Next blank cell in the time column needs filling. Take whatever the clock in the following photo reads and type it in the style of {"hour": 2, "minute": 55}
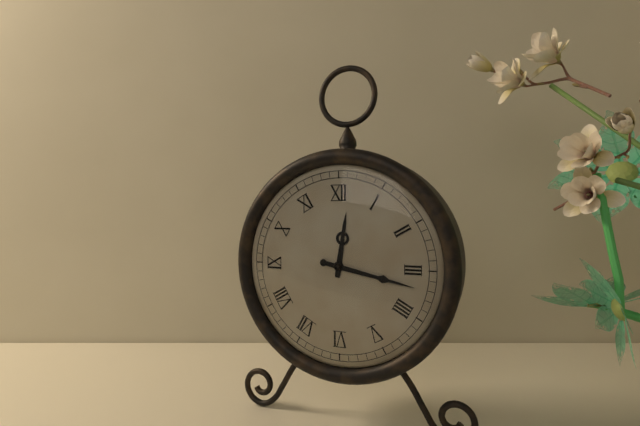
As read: {"hour": 12, "minute": 17}
